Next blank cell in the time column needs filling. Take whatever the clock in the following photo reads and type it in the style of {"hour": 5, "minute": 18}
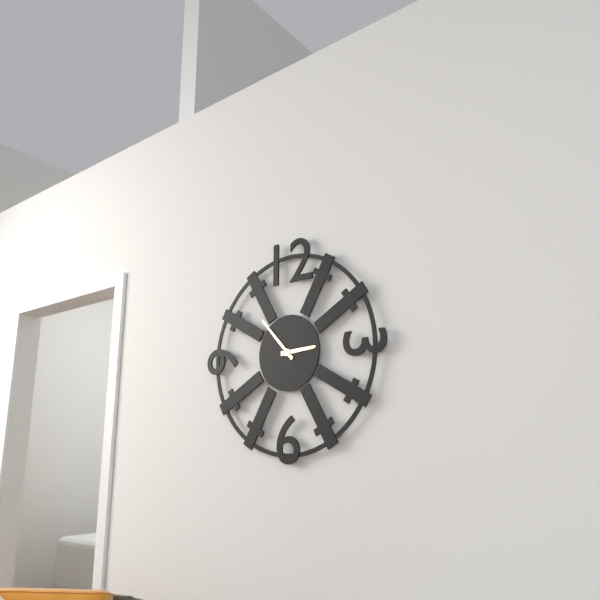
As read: {"hour": 2, "minute": 53}
